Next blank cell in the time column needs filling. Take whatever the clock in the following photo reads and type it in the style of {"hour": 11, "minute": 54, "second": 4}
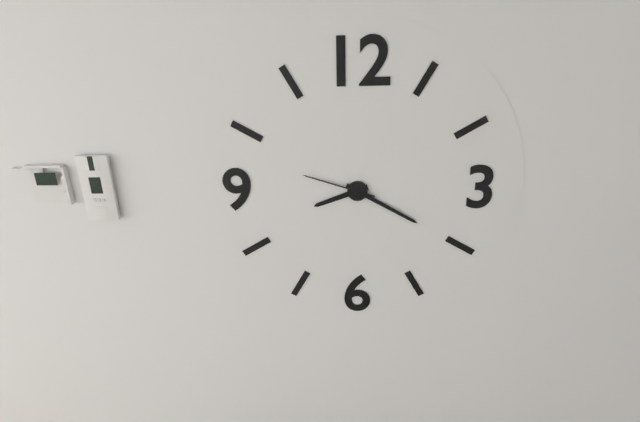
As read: {"hour": 8, "minute": 20, "second": 48}
